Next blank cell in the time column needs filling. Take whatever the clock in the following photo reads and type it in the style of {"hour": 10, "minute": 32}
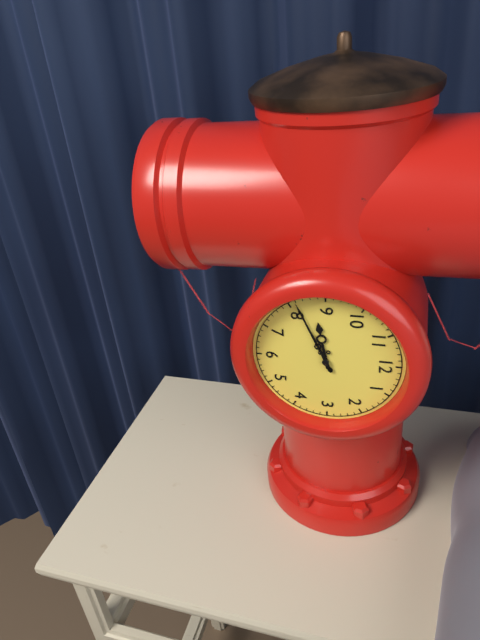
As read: {"hour": 8, "minute": 41}
